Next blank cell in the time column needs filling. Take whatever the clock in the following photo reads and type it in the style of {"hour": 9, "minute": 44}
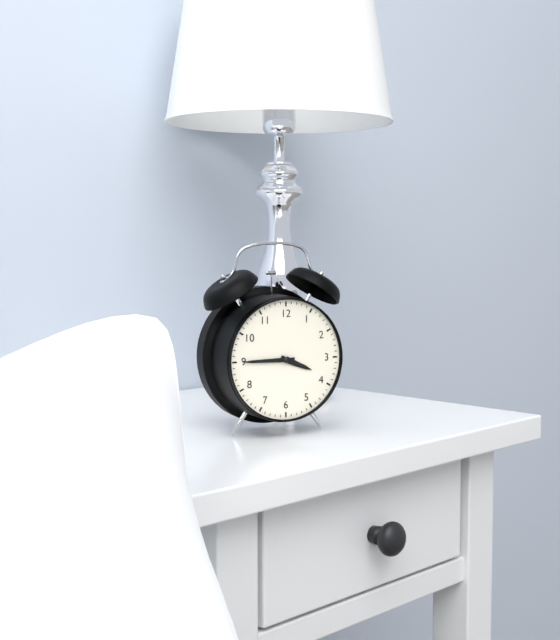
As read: {"hour": 3, "minute": 45}
